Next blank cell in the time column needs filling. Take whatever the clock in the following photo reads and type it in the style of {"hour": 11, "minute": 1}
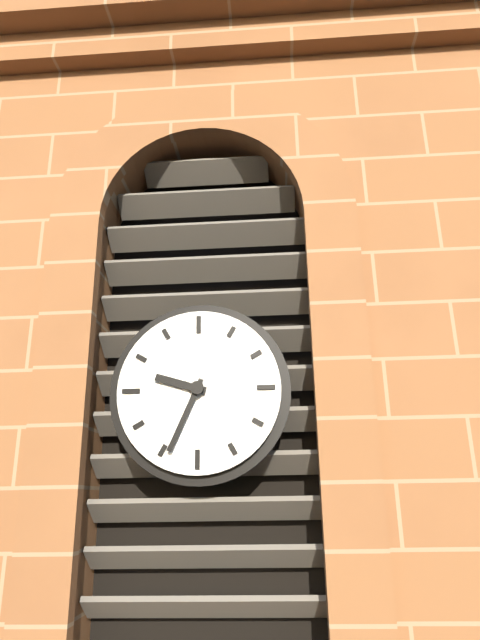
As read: {"hour": 9, "minute": 34}
